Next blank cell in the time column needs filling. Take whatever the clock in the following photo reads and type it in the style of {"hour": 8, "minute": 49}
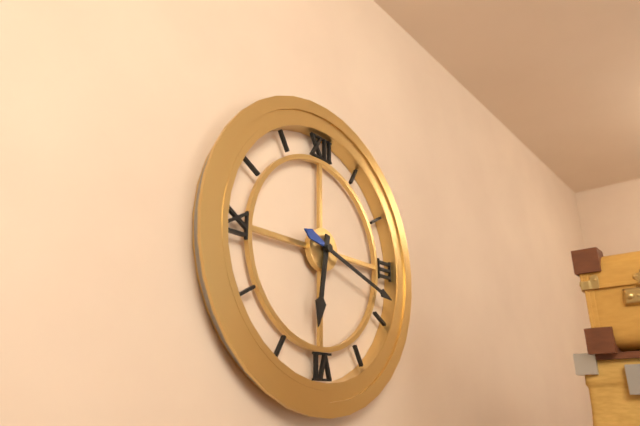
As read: {"hour": 6, "minute": 18}
